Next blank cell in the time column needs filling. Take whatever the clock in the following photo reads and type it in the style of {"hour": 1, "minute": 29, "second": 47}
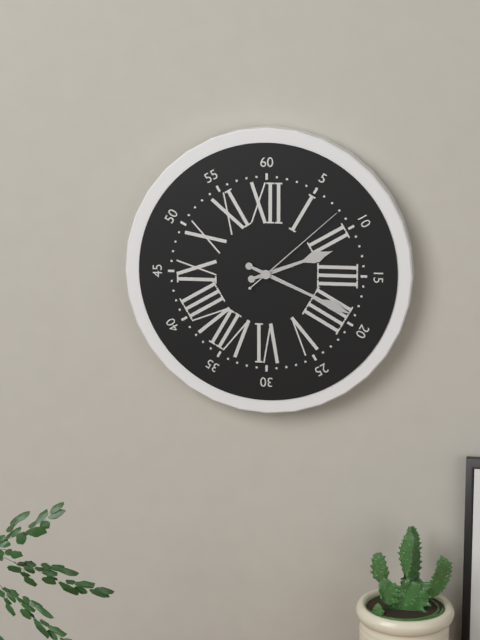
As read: {"hour": 2, "minute": 19, "second": 8}
